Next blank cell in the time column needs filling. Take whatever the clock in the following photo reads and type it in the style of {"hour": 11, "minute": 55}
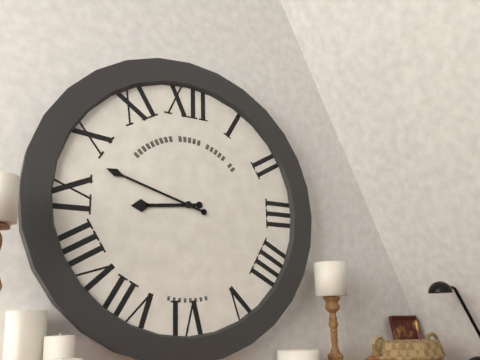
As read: {"hour": 8, "minute": 48}
